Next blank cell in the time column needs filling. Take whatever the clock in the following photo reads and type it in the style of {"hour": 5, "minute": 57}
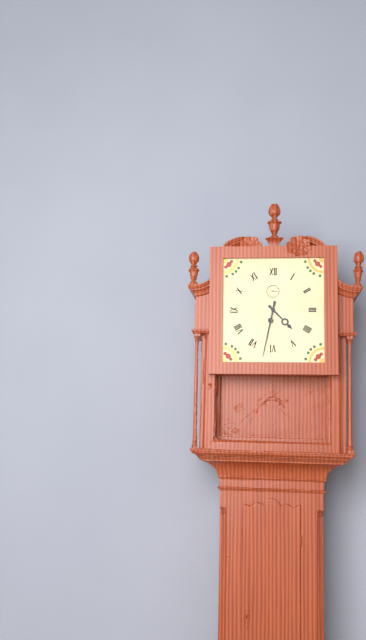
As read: {"hour": 4, "minute": 32}
